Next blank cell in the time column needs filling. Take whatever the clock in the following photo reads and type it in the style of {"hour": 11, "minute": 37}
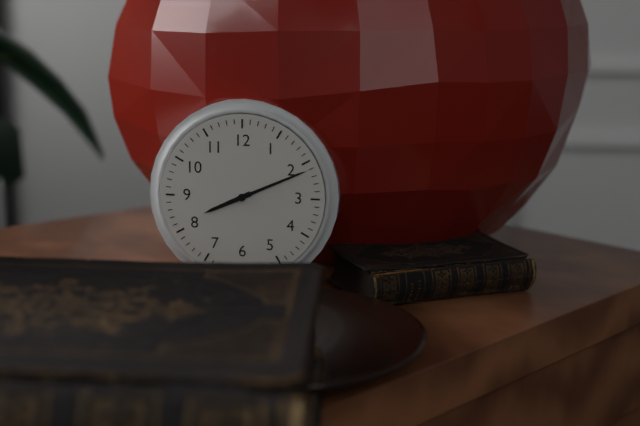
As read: {"hour": 8, "minute": 11}
